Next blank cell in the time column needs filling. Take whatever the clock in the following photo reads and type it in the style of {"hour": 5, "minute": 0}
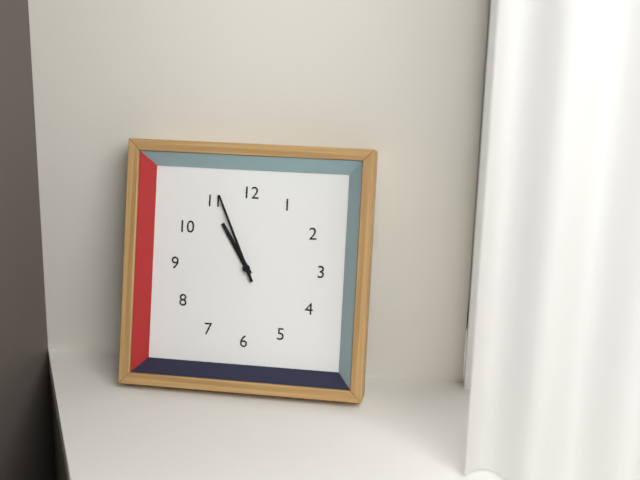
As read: {"hour": 10, "minute": 56}
